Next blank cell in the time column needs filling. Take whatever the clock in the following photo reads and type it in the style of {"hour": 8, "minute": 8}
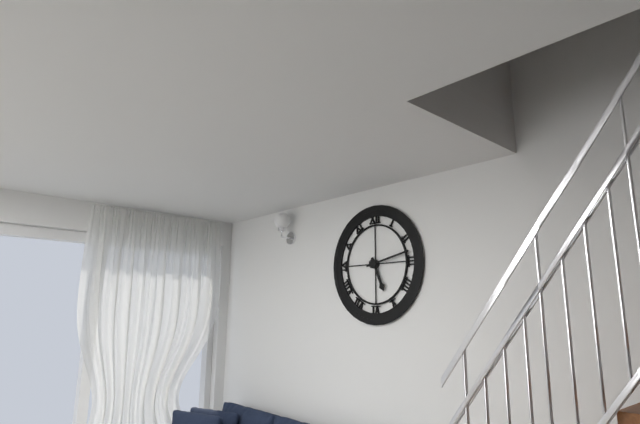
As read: {"hour": 5, "minute": 13}
